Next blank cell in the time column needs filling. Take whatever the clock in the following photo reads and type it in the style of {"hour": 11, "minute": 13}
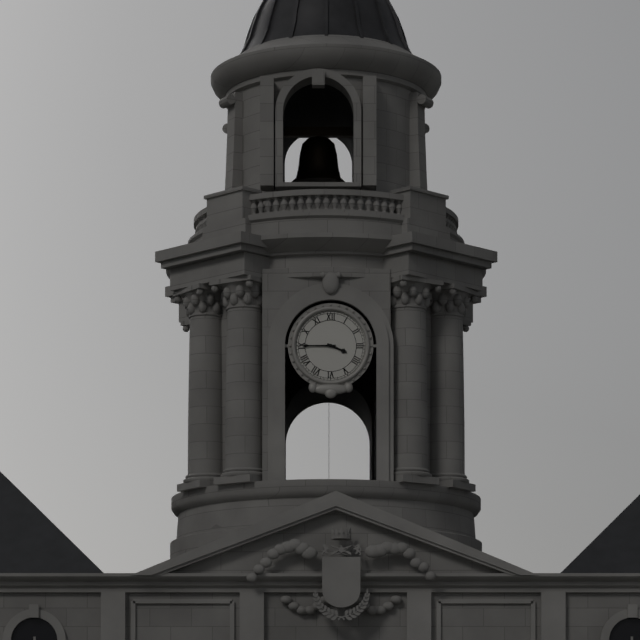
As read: {"hour": 3, "minute": 45}
